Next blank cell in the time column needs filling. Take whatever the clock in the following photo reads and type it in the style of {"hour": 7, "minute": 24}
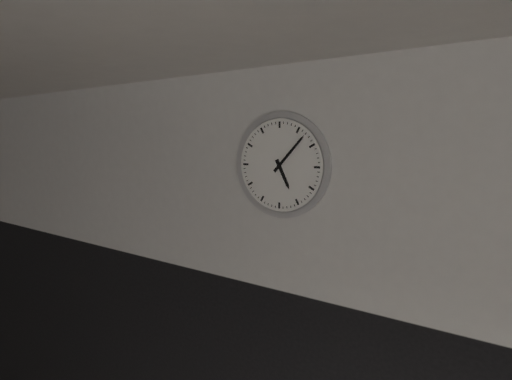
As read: {"hour": 5, "minute": 7}
